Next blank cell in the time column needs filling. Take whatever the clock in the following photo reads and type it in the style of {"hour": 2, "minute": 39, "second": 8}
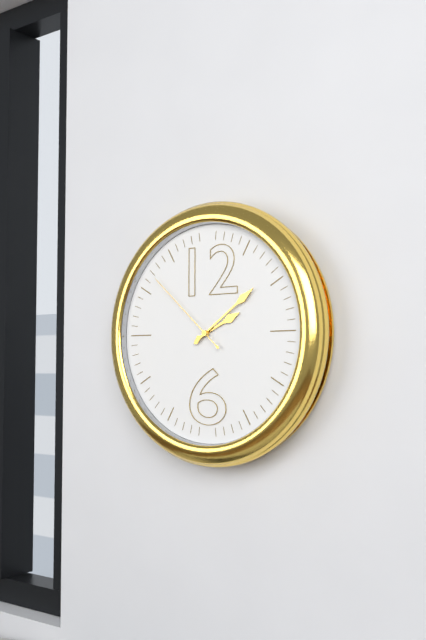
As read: {"hour": 2, "minute": 9, "second": 52}
